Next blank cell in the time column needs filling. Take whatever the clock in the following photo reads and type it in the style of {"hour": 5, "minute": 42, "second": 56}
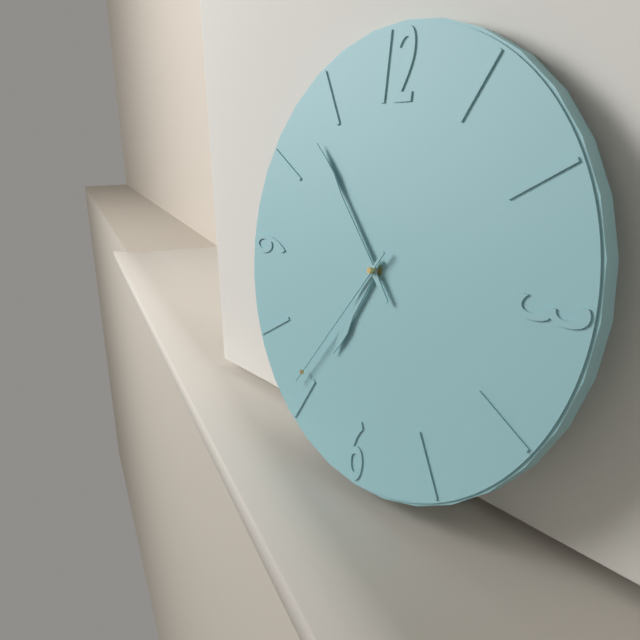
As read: {"hour": 6, "minute": 53, "second": 36}
